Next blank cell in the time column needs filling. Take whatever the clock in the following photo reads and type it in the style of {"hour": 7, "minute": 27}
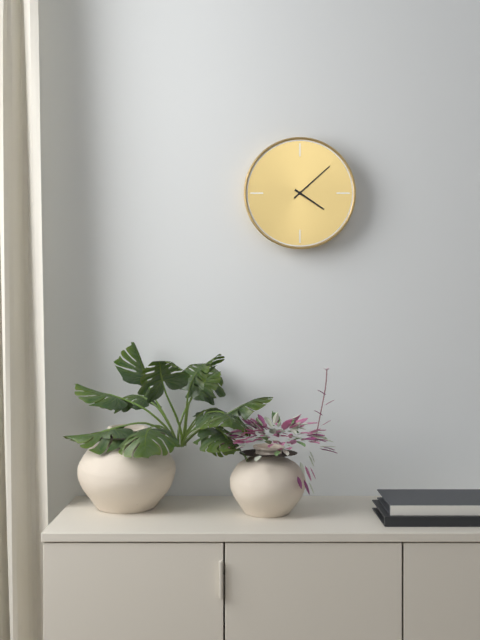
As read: {"hour": 4, "minute": 8}
